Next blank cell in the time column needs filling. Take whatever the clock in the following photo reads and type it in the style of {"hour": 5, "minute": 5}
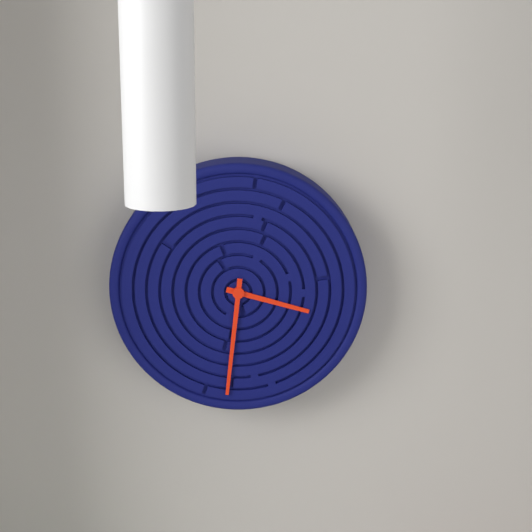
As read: {"hour": 3, "minute": 31}
